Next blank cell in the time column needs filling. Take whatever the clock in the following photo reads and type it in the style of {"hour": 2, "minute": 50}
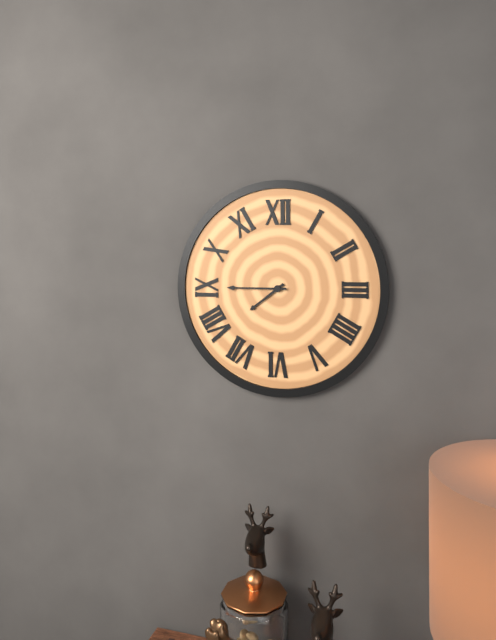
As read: {"hour": 7, "minute": 45}
